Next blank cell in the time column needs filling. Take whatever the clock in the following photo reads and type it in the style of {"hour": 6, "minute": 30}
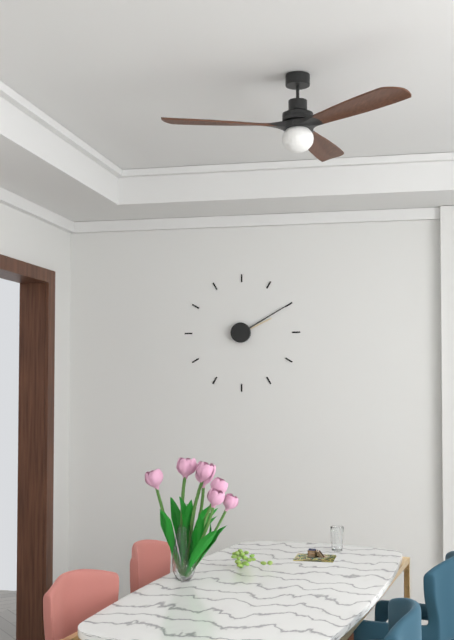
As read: {"hour": 2, "minute": 10}
